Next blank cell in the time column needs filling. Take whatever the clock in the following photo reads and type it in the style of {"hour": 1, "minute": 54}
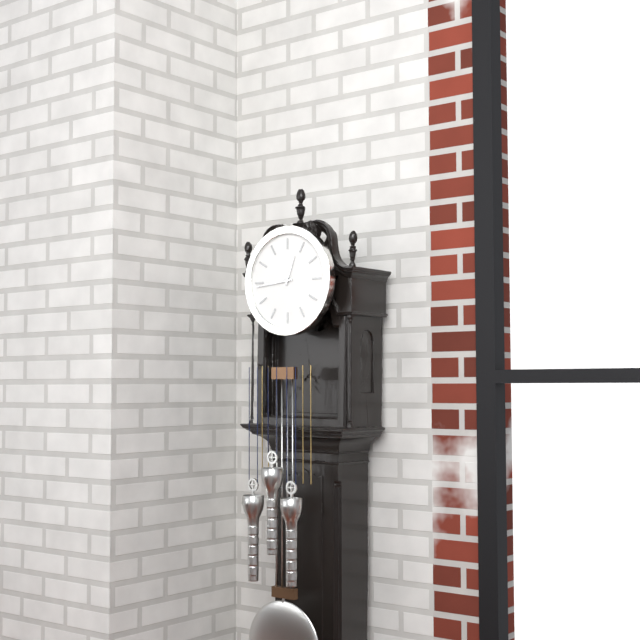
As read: {"hour": 12, "minute": 44}
